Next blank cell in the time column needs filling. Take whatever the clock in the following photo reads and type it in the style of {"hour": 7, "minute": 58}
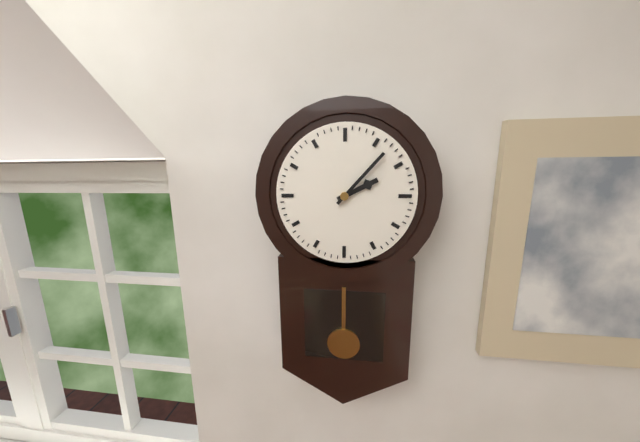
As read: {"hour": 2, "minute": 7}
